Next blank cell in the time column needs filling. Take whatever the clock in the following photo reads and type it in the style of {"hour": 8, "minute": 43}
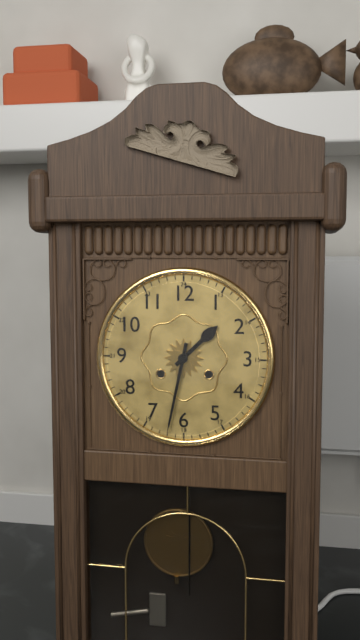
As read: {"hour": 1, "minute": 32}
